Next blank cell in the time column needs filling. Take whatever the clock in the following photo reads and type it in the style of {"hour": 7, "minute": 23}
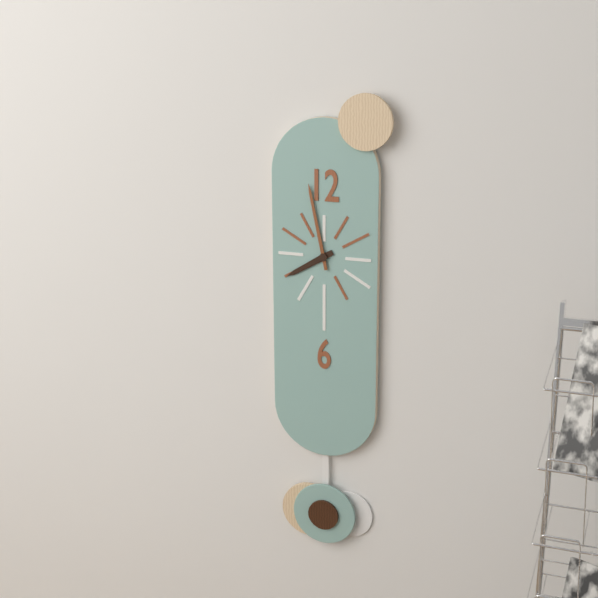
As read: {"hour": 7, "minute": 58}
